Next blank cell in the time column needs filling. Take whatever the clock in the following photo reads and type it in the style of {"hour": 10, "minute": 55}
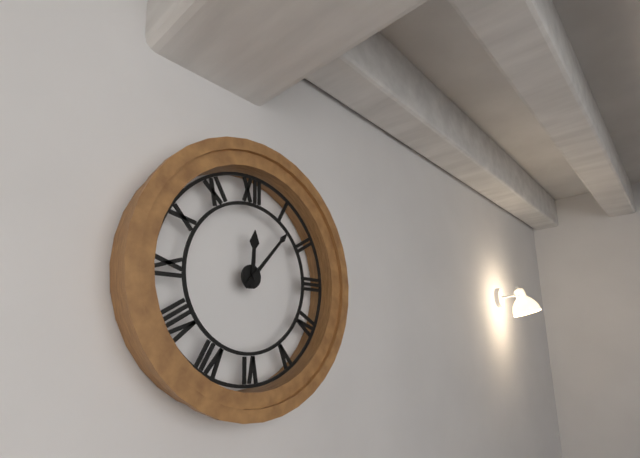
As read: {"hour": 12, "minute": 7}
